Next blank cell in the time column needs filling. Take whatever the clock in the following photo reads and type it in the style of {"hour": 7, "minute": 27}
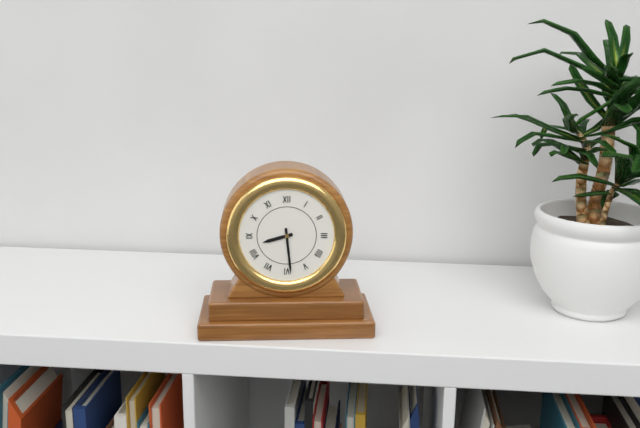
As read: {"hour": 8, "minute": 29}
